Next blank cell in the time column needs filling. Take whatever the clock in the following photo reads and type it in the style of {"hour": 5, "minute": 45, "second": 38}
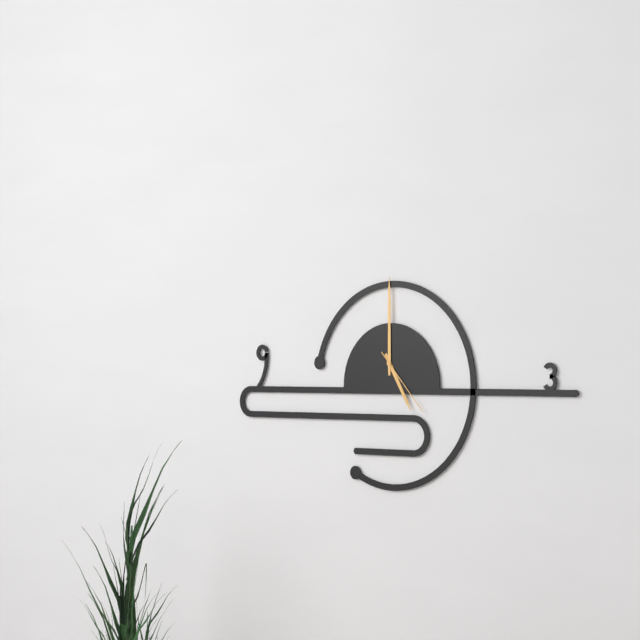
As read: {"hour": 5, "minute": 0, "second": 23}
